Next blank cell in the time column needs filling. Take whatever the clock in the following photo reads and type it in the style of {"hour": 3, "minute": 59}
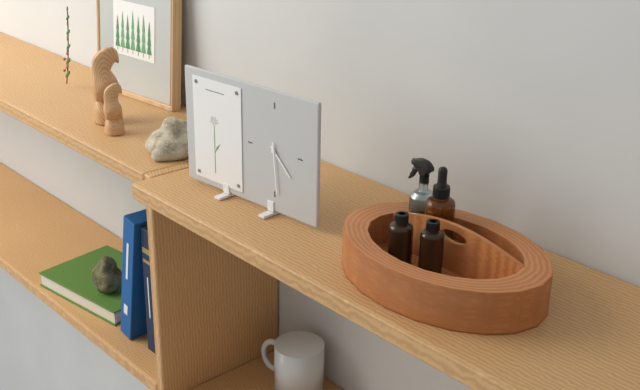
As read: {"hour": 4, "minute": 29}
